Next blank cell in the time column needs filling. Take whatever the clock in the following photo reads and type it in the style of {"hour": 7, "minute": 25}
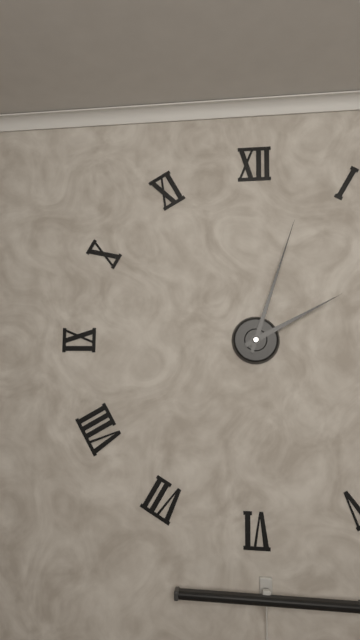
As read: {"hour": 2, "minute": 3}
